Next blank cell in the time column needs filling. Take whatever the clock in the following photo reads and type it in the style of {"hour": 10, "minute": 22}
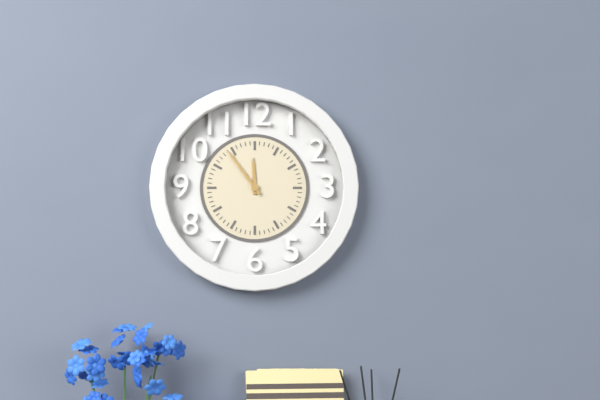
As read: {"hour": 11, "minute": 54}
